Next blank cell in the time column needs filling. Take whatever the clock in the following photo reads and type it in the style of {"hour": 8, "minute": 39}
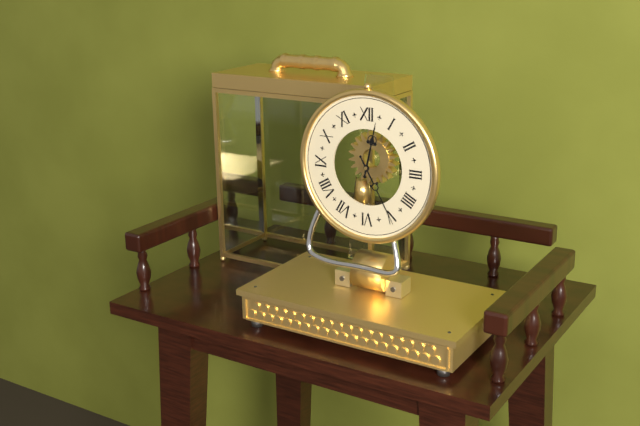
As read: {"hour": 12, "minute": 25}
